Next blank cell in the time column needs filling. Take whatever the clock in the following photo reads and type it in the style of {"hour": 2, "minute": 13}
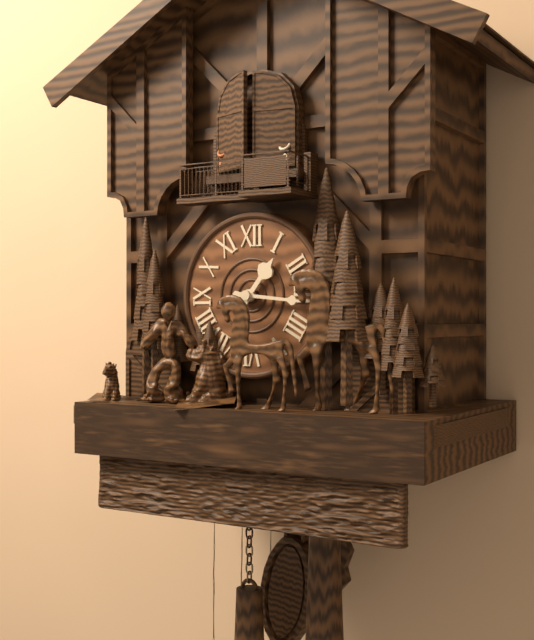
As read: {"hour": 1, "minute": 16}
